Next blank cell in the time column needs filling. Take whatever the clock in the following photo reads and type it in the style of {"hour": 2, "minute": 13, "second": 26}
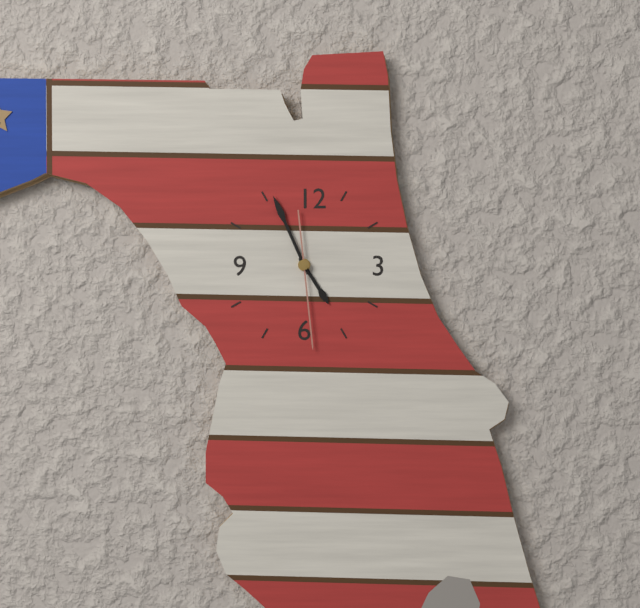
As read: {"hour": 4, "minute": 56, "second": 29}
